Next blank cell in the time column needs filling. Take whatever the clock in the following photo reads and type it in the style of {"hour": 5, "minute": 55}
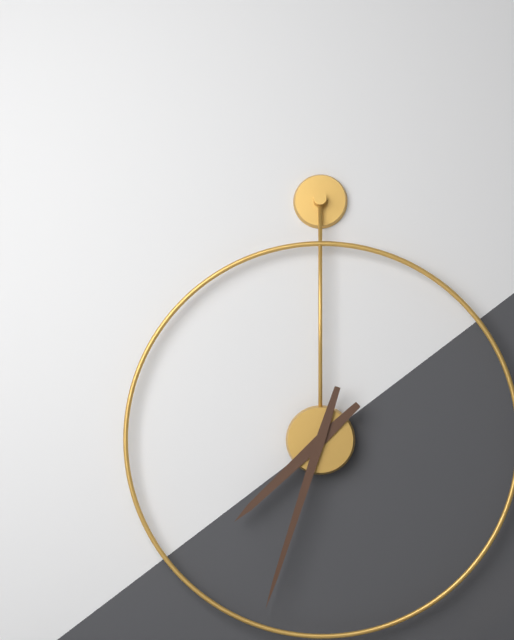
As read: {"hour": 7, "minute": 33}
